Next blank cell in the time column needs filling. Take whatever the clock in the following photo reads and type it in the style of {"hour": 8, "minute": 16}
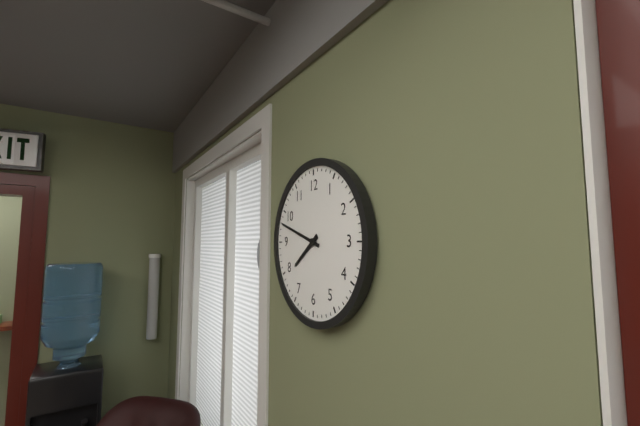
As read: {"hour": 7, "minute": 48}
